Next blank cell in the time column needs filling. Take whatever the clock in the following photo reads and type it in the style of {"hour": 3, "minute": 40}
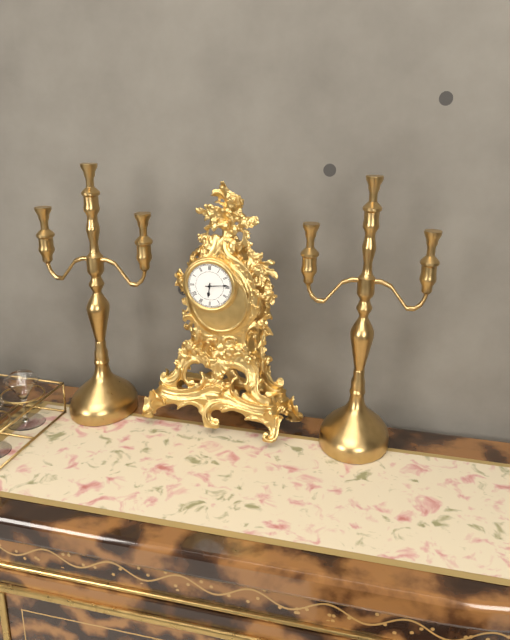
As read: {"hour": 6, "minute": 14}
